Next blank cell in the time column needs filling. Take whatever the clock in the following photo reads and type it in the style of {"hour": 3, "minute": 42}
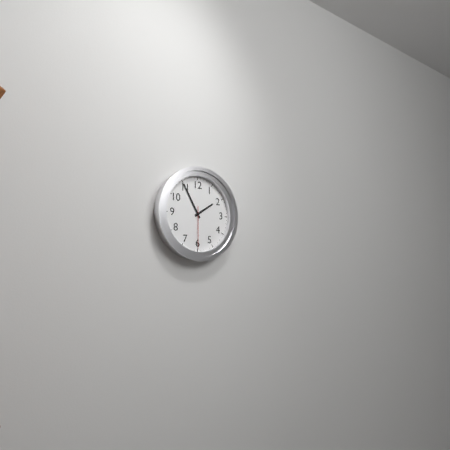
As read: {"hour": 1, "minute": 55}
